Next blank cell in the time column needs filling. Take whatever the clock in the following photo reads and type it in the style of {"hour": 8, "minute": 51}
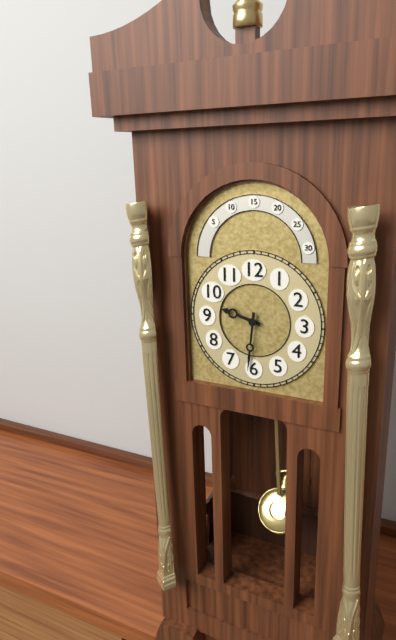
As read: {"hour": 9, "minute": 31}
